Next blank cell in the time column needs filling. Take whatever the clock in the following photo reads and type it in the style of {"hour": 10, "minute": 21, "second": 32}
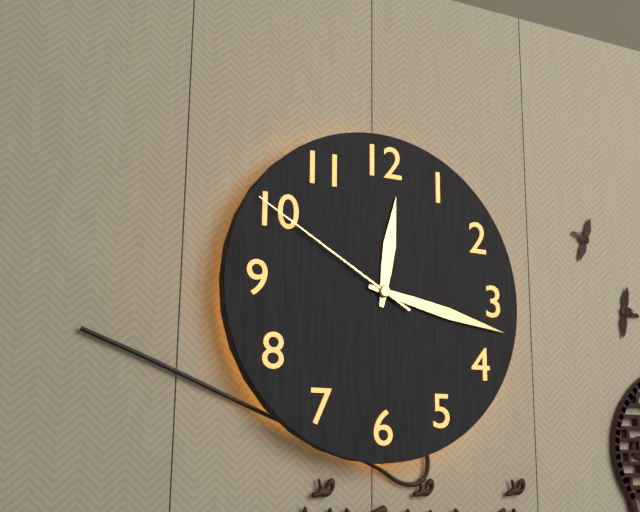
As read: {"hour": 12, "minute": 17, "second": 50}
